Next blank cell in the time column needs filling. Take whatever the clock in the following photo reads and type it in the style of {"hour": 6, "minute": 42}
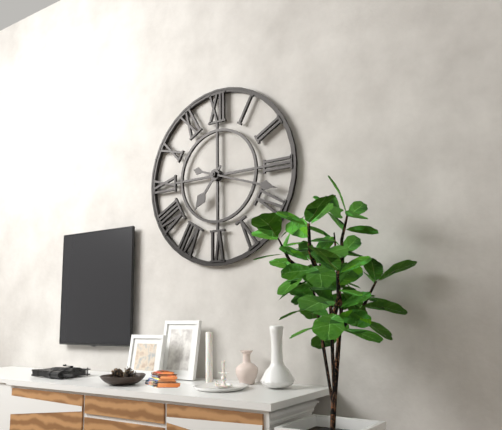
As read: {"hour": 7, "minute": 18}
